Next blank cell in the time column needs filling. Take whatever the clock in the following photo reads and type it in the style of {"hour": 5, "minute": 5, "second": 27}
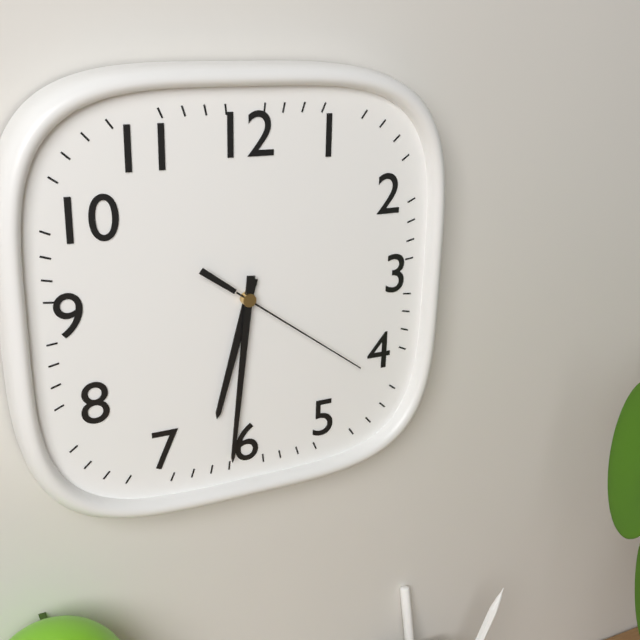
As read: {"hour": 6, "minute": 31, "second": 21}
